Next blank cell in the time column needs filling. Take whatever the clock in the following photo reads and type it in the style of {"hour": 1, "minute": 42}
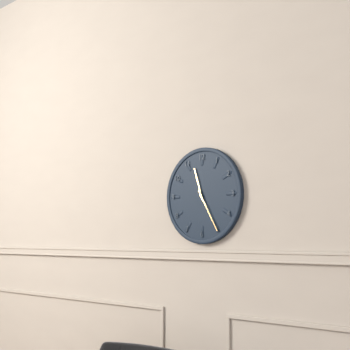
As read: {"hour": 11, "minute": 25}
